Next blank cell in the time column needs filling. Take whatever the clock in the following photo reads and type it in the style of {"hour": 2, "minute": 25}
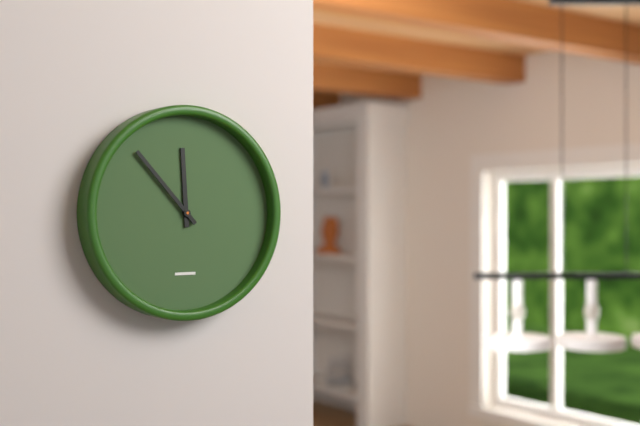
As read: {"hour": 11, "minute": 53}
